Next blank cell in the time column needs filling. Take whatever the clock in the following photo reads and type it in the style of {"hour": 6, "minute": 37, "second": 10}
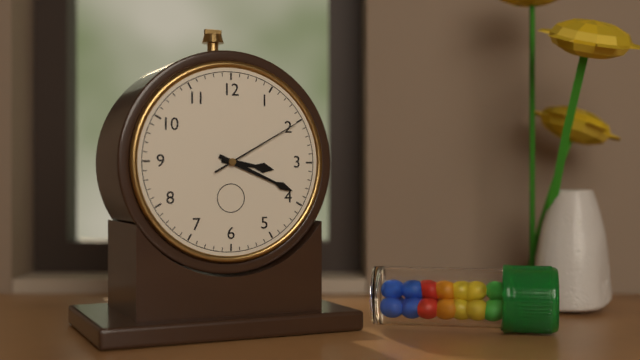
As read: {"hour": 3, "minute": 19, "second": 10}
